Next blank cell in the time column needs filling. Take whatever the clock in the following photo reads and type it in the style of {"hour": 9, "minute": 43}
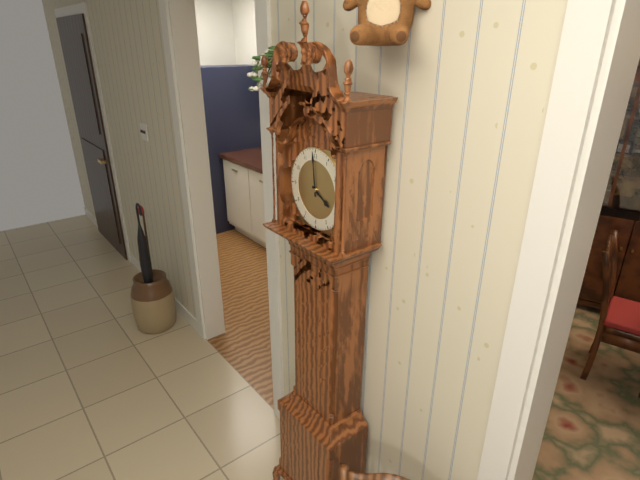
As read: {"hour": 3, "minute": 59}
